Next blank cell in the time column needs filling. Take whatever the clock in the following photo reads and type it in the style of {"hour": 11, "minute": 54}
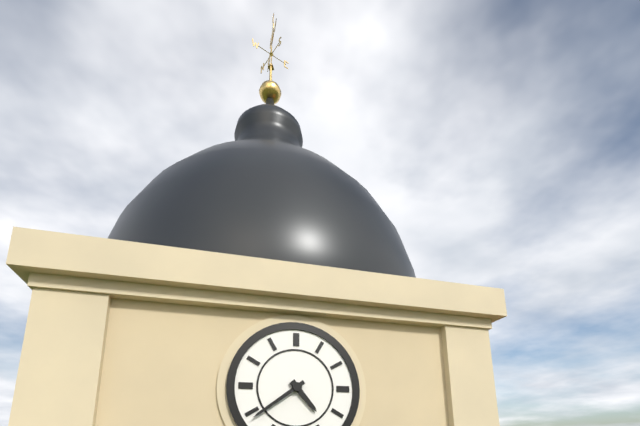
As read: {"hour": 4, "minute": 39}
